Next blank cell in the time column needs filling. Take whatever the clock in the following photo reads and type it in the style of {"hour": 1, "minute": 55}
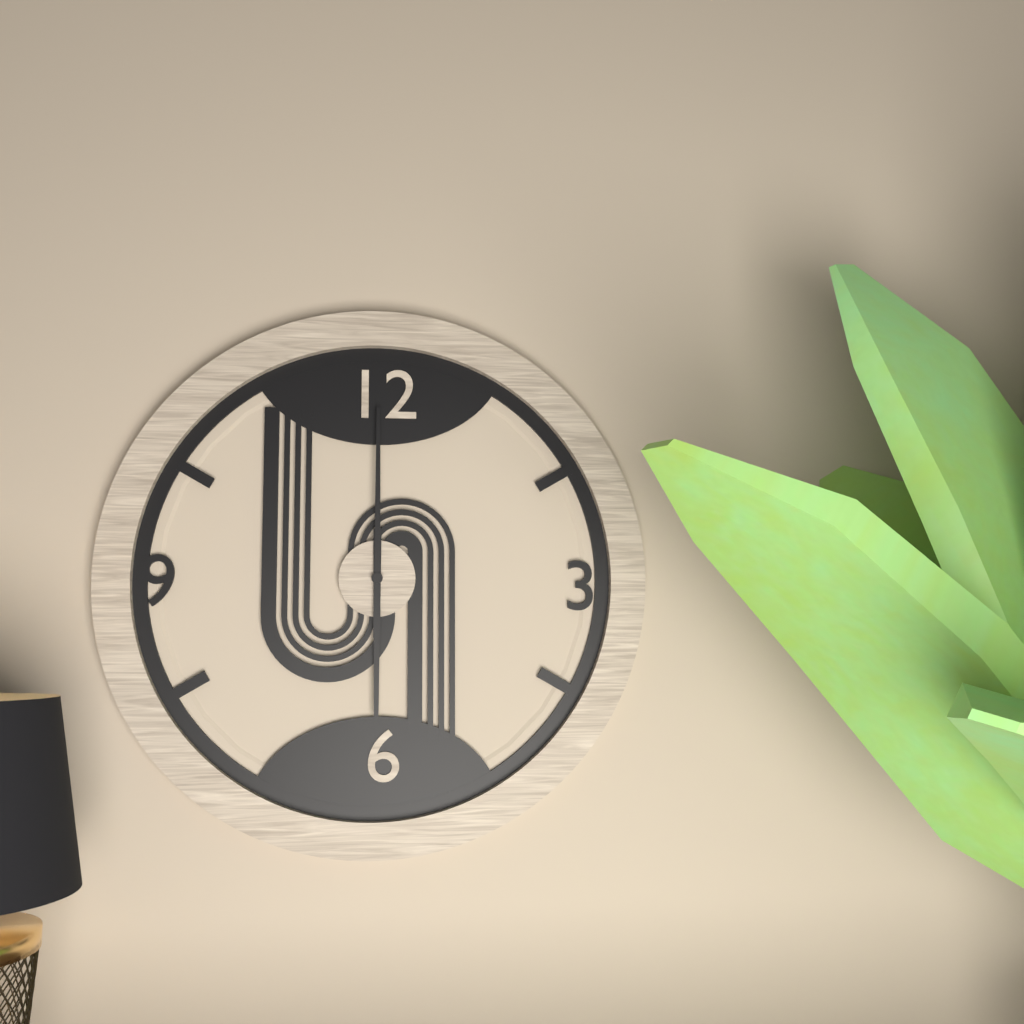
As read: {"hour": 6, "minute": 0}
